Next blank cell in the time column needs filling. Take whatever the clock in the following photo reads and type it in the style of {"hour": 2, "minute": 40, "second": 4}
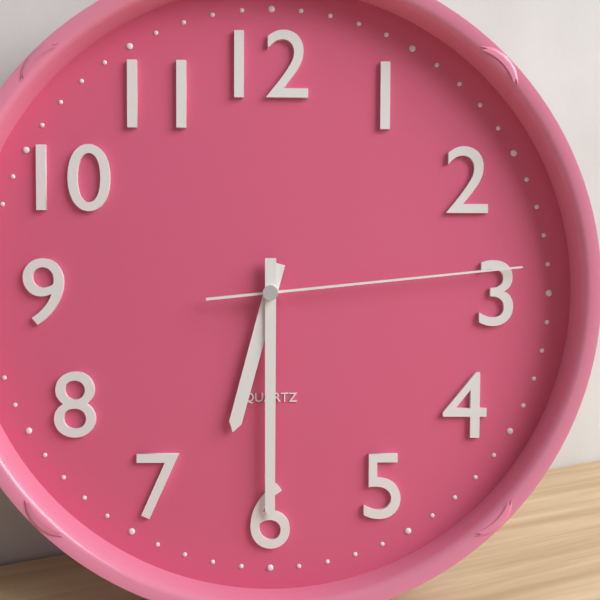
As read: {"hour": 6, "minute": 30, "second": 14}
